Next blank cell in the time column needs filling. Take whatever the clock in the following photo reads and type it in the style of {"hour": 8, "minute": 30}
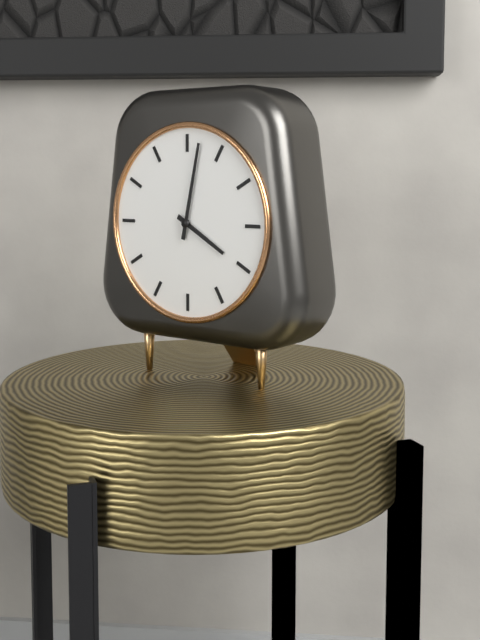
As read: {"hour": 4, "minute": 2}
